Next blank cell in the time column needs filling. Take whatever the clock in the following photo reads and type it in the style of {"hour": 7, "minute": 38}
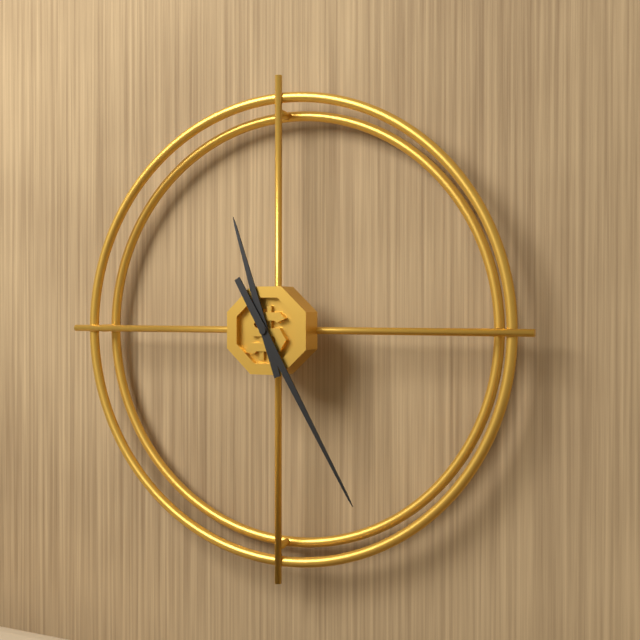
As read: {"hour": 11, "minute": 25}
